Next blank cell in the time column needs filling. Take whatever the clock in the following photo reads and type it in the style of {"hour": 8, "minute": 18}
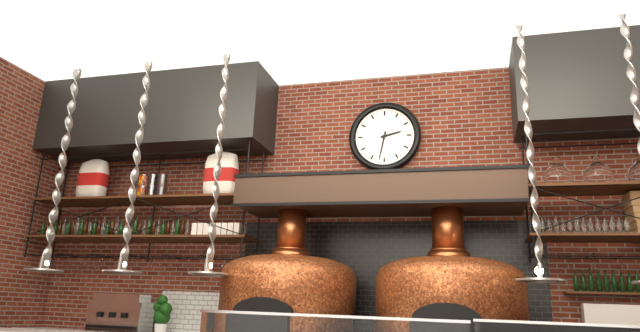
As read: {"hour": 2, "minute": 32}
